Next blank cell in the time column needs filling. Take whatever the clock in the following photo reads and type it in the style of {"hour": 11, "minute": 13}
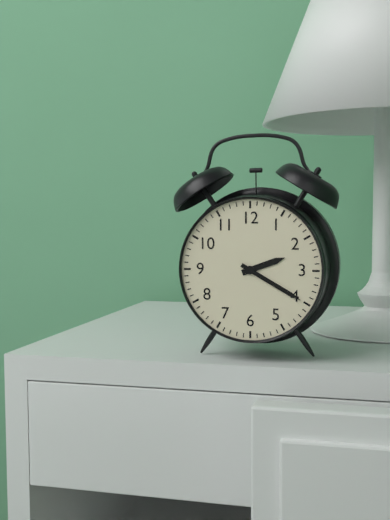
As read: {"hour": 2, "minute": 20}
